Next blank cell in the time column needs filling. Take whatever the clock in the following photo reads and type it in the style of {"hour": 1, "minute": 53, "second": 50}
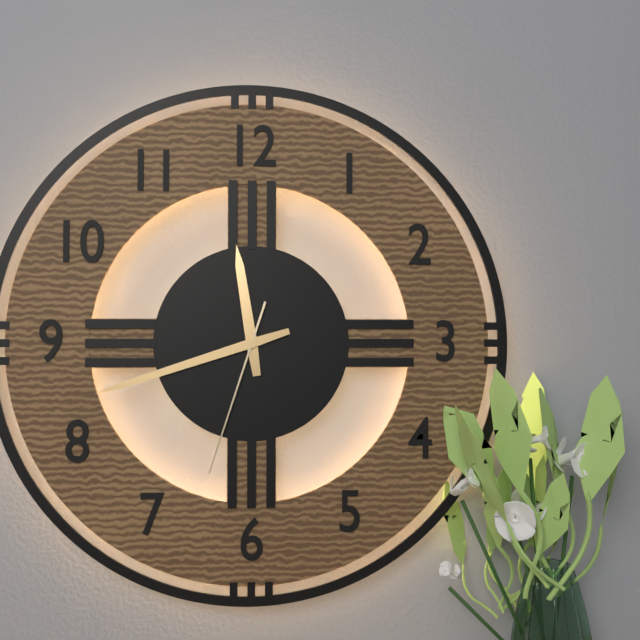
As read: {"hour": 11, "minute": 42, "second": 33}
